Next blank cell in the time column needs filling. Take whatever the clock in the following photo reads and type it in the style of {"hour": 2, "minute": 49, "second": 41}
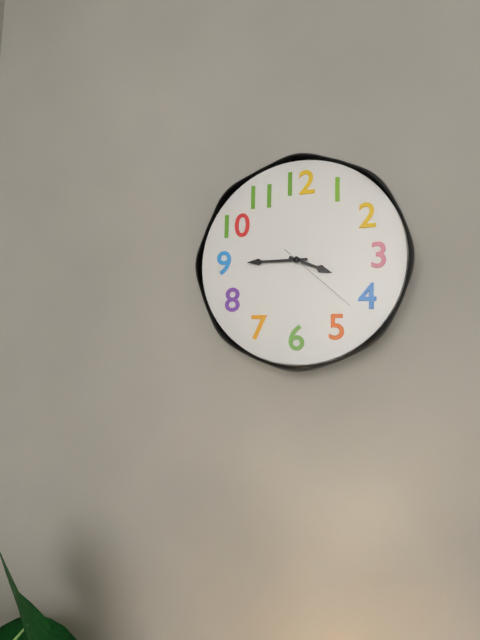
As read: {"hour": 3, "minute": 45, "second": 22}
